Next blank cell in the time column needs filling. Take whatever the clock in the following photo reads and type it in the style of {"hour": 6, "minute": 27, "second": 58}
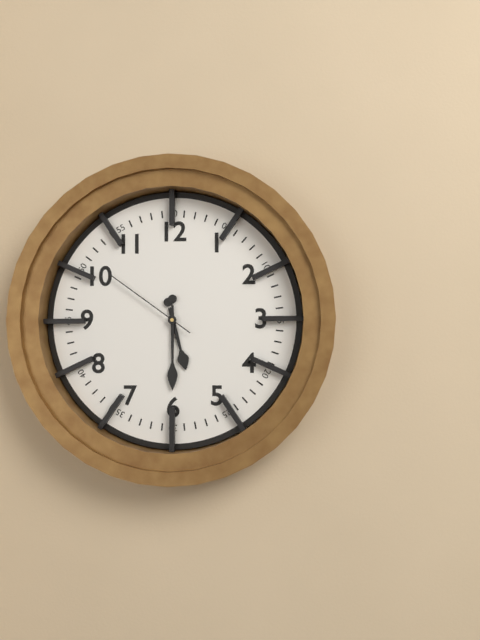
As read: {"hour": 5, "minute": 30, "second": 51}
